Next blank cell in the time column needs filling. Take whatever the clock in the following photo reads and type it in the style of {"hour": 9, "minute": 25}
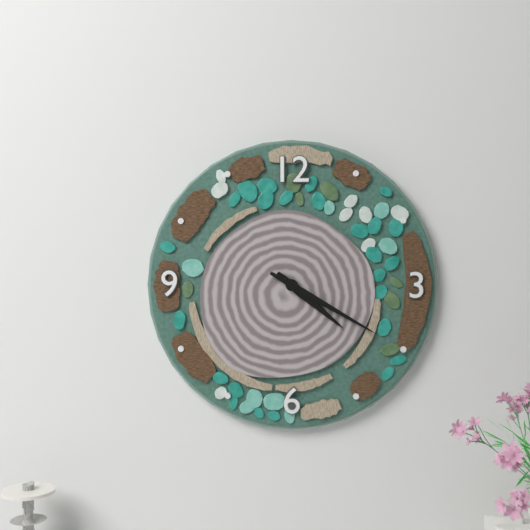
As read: {"hour": 4, "minute": 20}
